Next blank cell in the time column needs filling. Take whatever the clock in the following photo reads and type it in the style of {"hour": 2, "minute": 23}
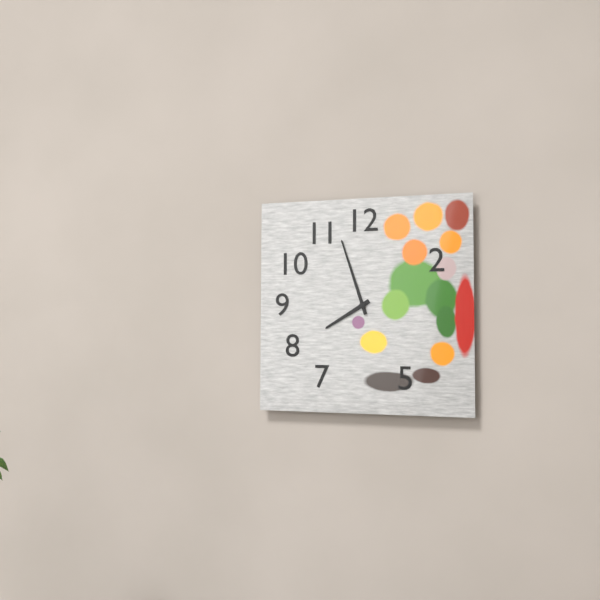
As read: {"hour": 7, "minute": 57}
